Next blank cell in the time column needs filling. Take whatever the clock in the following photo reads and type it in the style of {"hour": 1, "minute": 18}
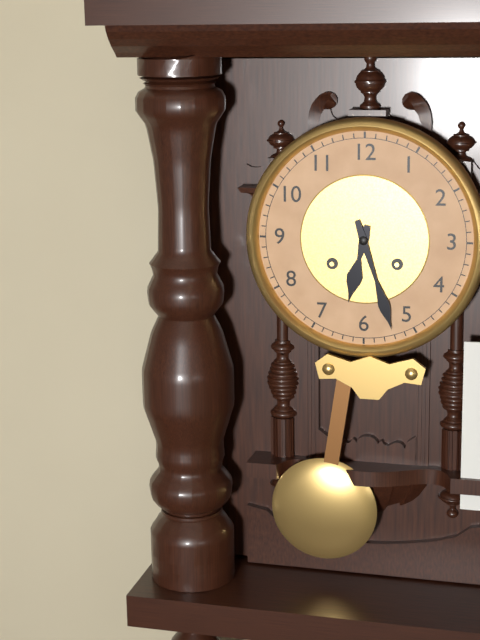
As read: {"hour": 6, "minute": 27}
